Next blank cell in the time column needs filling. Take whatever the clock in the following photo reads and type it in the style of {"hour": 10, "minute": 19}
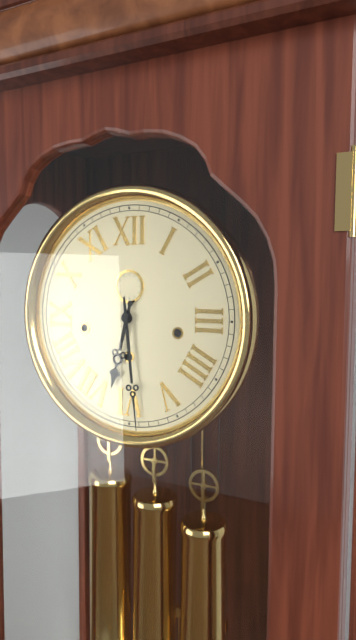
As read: {"hour": 6, "minute": 29}
